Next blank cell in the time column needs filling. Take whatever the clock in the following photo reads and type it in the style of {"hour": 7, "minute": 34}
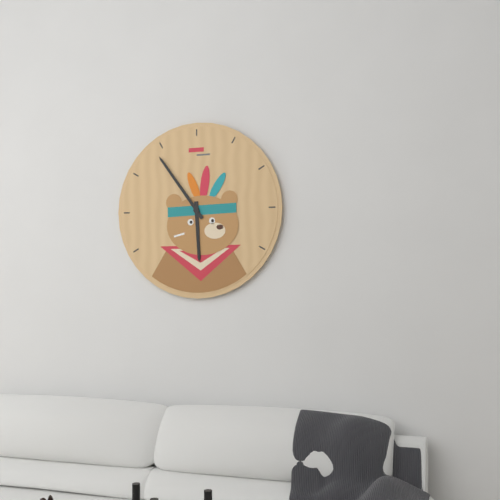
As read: {"hour": 5, "minute": 54}
